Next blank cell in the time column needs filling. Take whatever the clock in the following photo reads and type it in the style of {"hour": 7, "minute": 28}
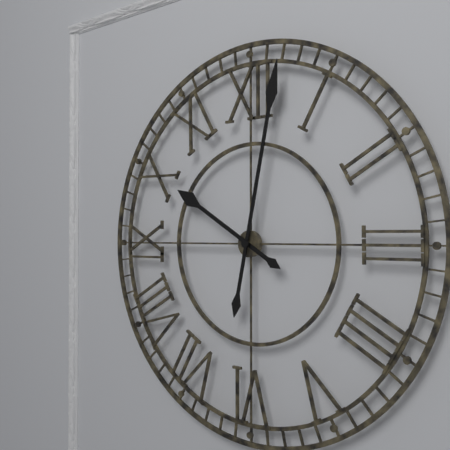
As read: {"hour": 10, "minute": 2}
